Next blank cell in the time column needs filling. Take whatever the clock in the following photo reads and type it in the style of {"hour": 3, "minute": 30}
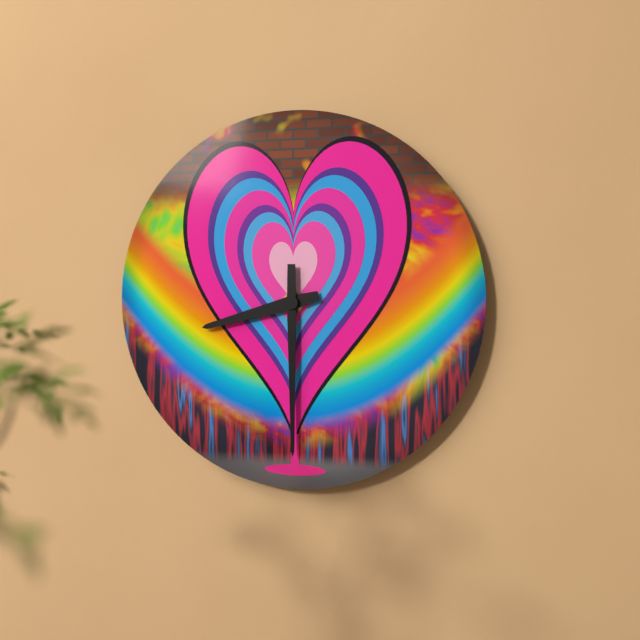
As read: {"hour": 8, "minute": 30}
